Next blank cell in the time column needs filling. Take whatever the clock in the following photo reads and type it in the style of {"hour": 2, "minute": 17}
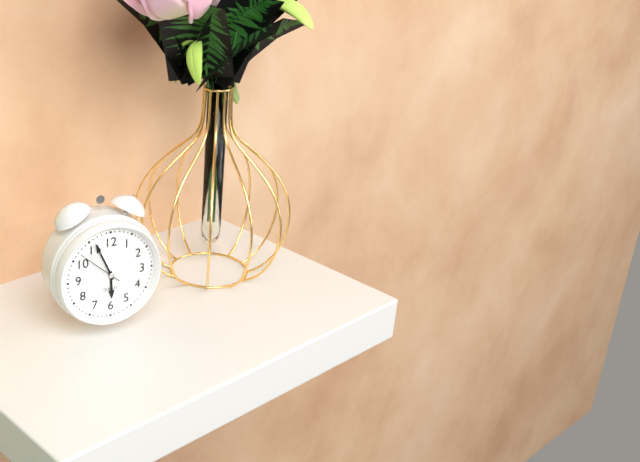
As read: {"hour": 5, "minute": 56}
